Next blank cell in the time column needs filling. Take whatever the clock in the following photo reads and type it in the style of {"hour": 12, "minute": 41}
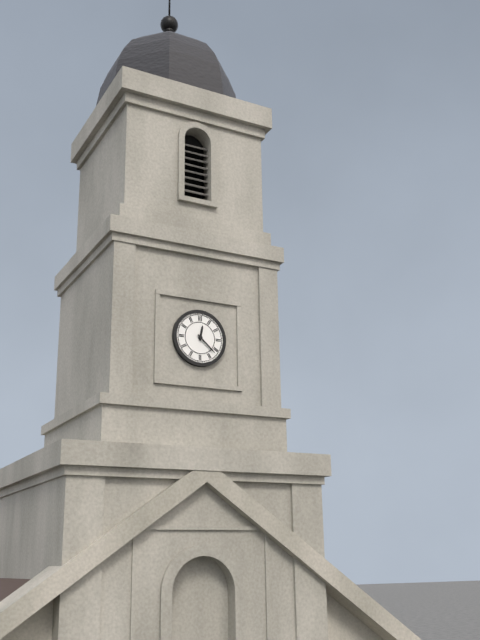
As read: {"hour": 12, "minute": 22}
